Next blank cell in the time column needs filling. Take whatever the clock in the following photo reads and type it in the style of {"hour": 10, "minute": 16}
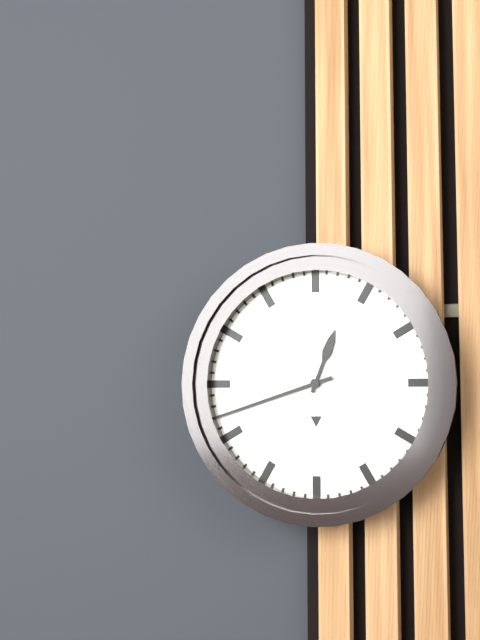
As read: {"hour": 12, "minute": 42}
